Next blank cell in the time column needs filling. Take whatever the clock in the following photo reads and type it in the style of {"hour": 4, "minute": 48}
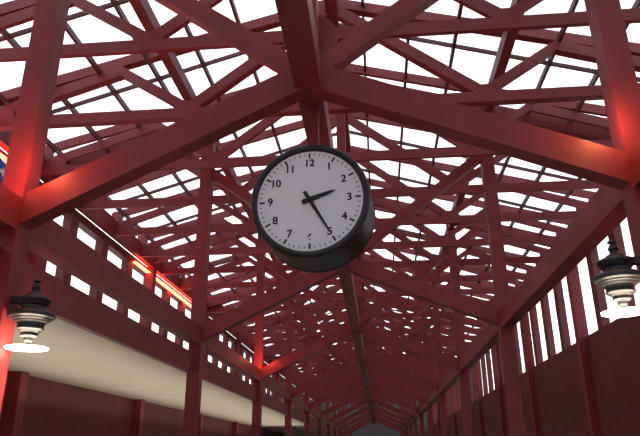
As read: {"hour": 2, "minute": 25}
